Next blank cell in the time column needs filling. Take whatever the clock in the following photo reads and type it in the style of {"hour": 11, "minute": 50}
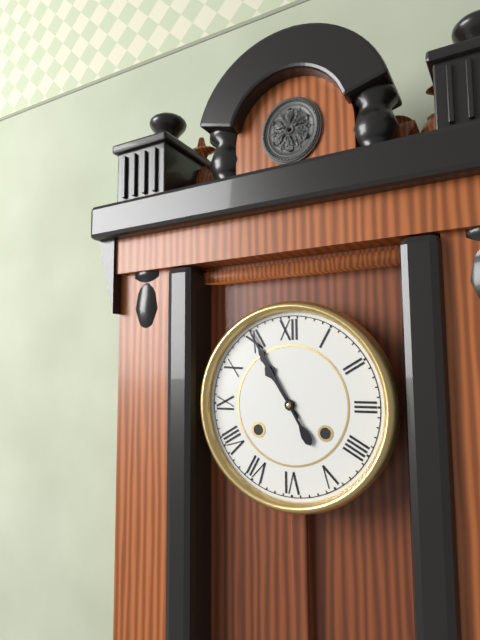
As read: {"hour": 10, "minute": 55}
